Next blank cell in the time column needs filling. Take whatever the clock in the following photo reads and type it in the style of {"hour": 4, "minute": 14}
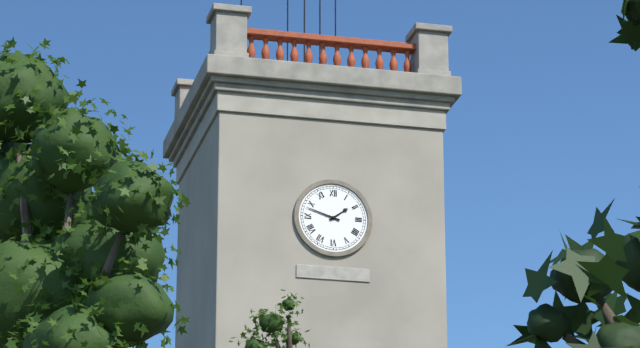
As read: {"hour": 1, "minute": 48}
